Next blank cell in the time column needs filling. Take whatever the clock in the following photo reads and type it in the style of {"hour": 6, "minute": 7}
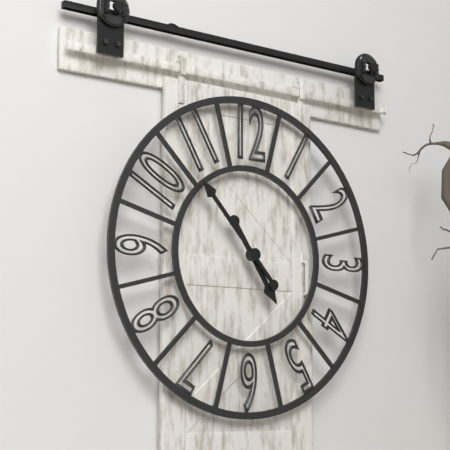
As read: {"hour": 4, "minute": 53}
